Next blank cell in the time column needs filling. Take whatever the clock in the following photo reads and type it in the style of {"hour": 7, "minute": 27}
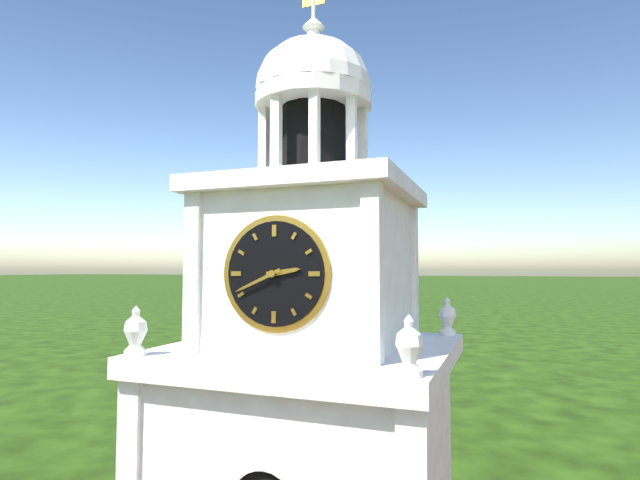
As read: {"hour": 2, "minute": 41}
